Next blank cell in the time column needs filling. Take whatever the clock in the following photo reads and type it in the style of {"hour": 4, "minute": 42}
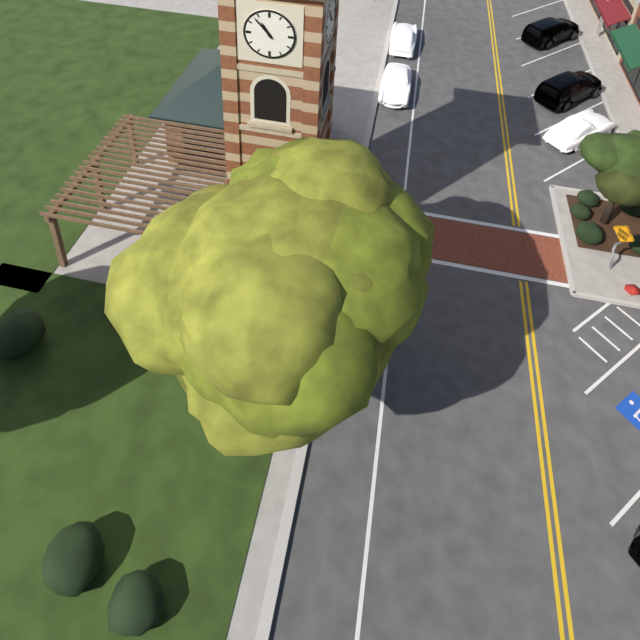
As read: {"hour": 10, "minute": 53}
